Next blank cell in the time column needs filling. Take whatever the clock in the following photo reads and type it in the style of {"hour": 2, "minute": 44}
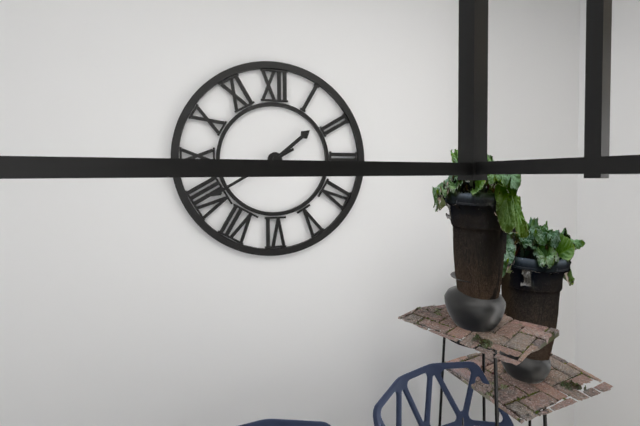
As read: {"hour": 1, "minute": 40}
